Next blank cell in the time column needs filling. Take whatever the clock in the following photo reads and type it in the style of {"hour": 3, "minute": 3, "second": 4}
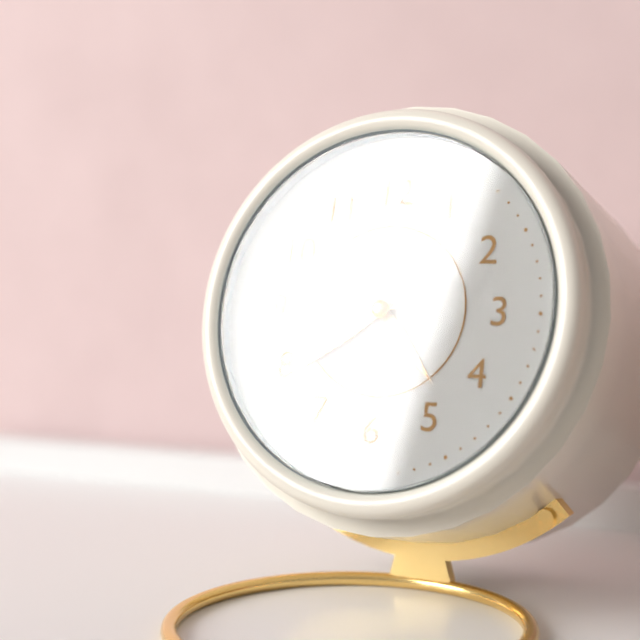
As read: {"hour": 4, "minute": 39, "second": 44}
